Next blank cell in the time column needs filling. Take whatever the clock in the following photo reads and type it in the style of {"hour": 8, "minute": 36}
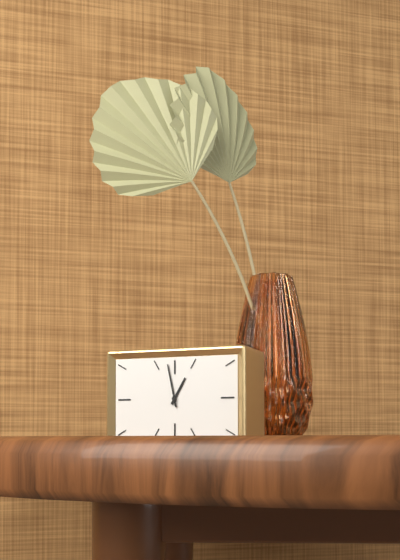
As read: {"hour": 12, "minute": 58}
